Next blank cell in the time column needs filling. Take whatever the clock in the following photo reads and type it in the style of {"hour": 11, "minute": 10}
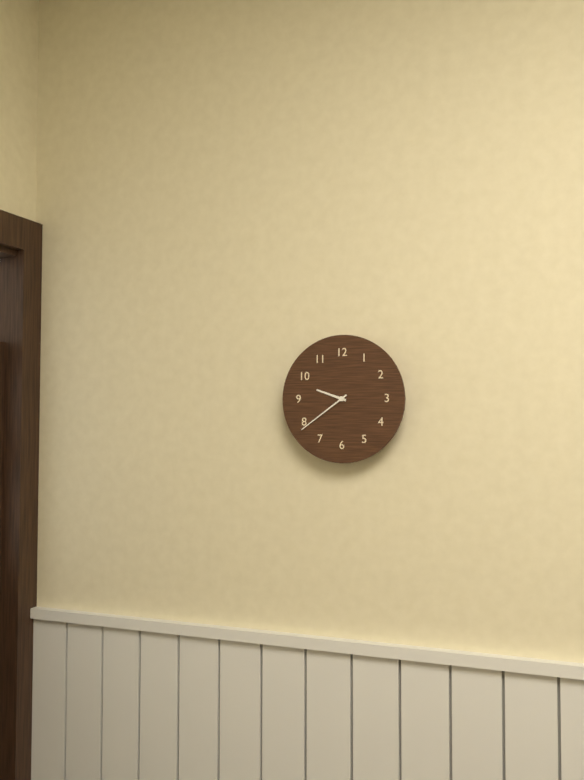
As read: {"hour": 9, "minute": 39}
